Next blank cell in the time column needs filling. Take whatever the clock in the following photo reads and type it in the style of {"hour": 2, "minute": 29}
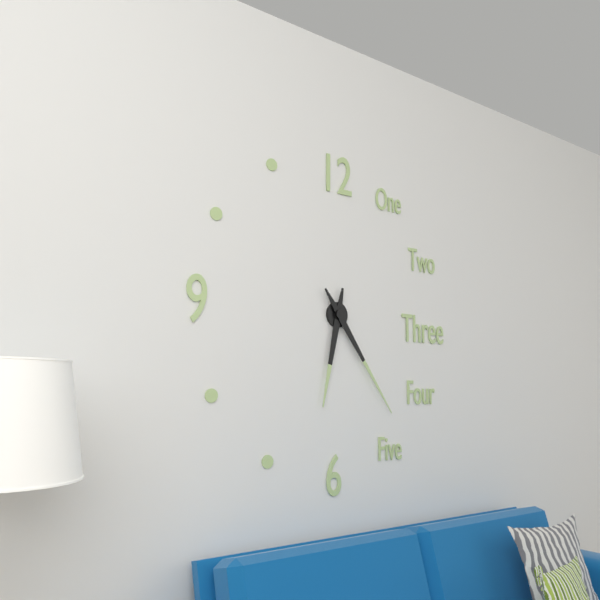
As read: {"hour": 6, "minute": 24}
